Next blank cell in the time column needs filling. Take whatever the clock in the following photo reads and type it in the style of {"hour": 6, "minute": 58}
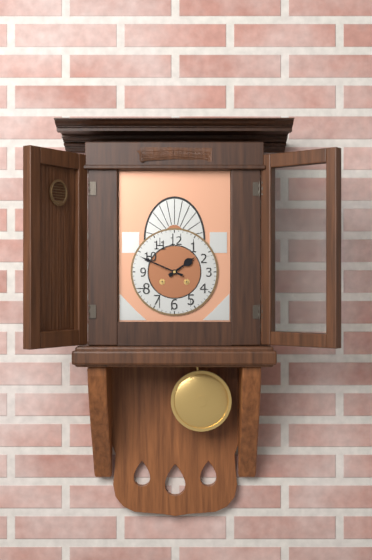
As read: {"hour": 1, "minute": 49}
